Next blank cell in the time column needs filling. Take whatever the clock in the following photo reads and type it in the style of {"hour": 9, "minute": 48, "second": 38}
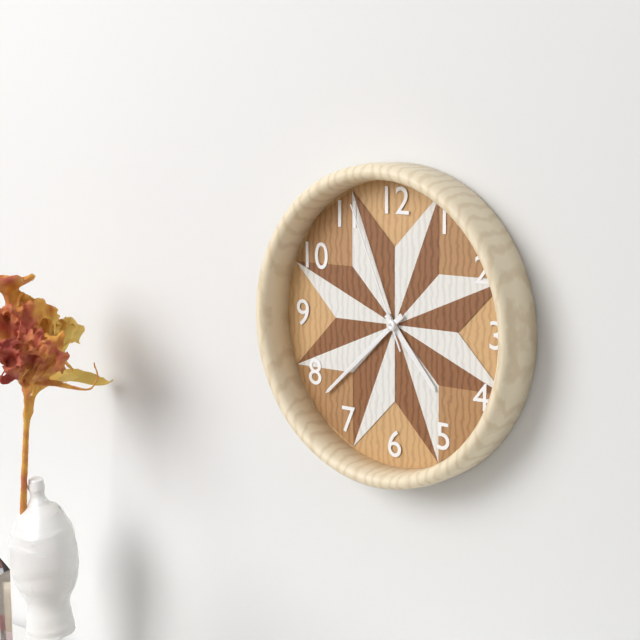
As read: {"hour": 4, "minute": 38, "second": 56}
